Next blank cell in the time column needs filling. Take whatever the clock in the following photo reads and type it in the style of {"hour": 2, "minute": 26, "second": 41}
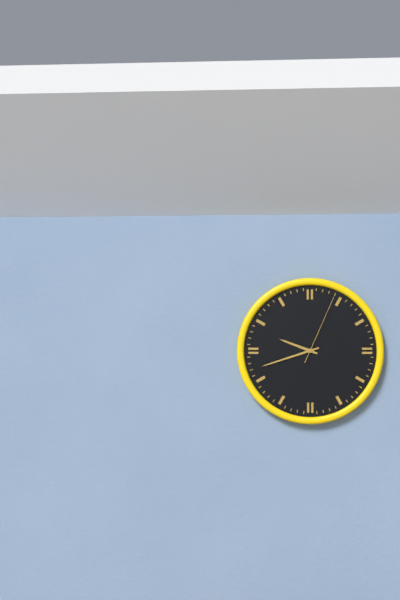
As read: {"hour": 9, "minute": 42, "second": 4}
